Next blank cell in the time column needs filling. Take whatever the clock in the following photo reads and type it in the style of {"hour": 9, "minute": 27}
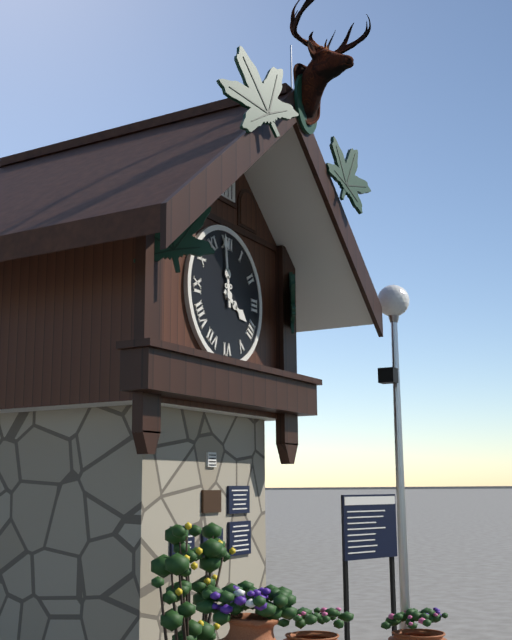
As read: {"hour": 3, "minute": 59}
